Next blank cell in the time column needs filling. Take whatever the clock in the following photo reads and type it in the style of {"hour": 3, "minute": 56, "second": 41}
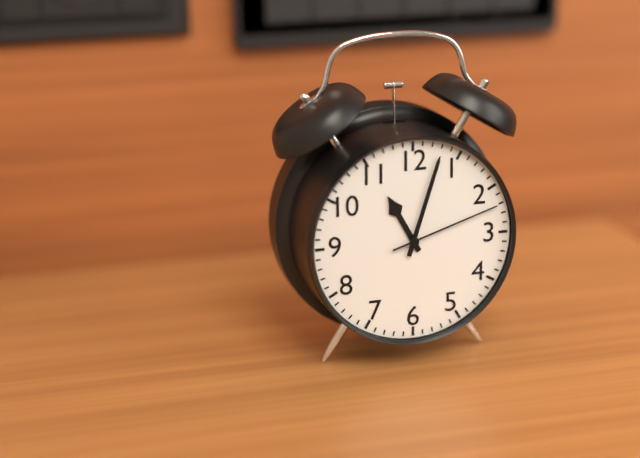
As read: {"hour": 11, "minute": 3, "second": 12}
